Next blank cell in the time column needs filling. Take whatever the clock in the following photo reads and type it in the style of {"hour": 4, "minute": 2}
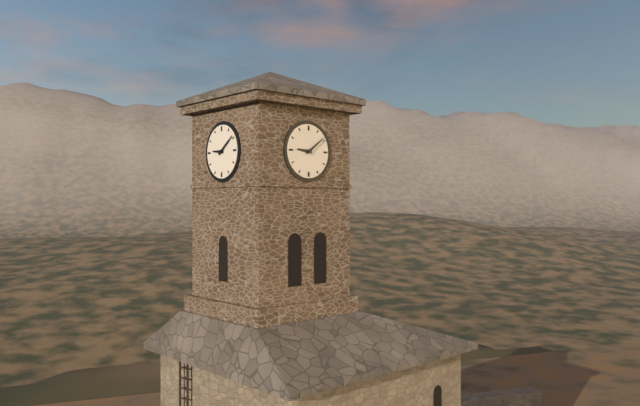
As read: {"hour": 9, "minute": 9}
